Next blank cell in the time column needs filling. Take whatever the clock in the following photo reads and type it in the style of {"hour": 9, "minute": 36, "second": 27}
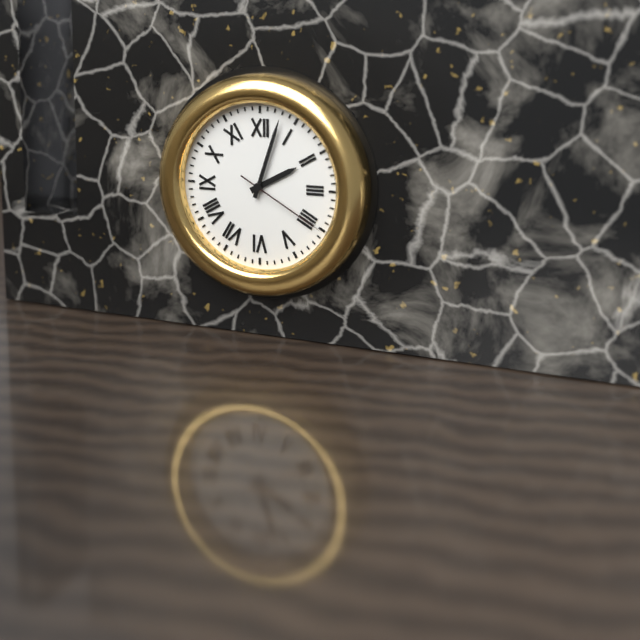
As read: {"hour": 2, "minute": 3, "second": 20}
